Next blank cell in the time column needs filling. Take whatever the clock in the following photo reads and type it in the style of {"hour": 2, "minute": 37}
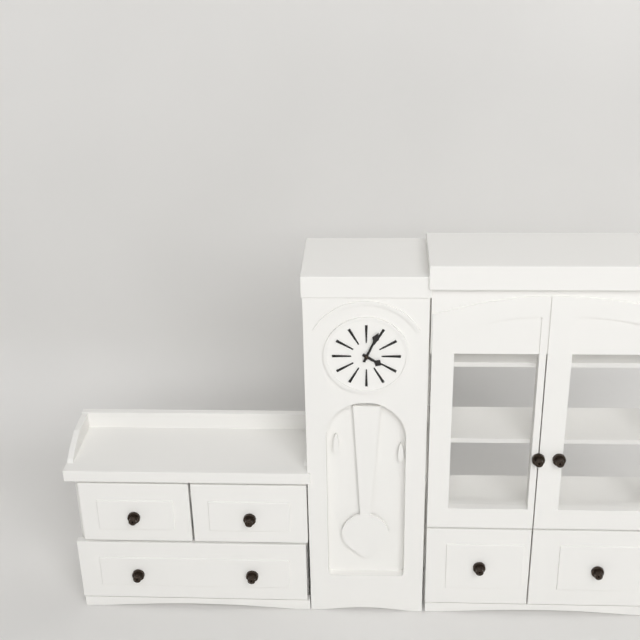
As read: {"hour": 4, "minute": 4}
